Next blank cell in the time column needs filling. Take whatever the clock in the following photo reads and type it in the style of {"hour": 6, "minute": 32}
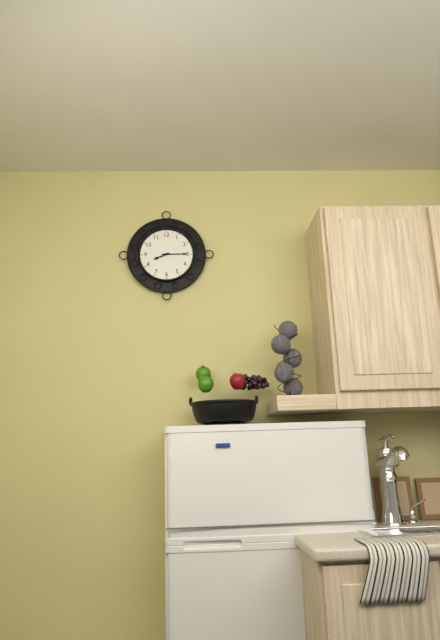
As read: {"hour": 8, "minute": 15}
